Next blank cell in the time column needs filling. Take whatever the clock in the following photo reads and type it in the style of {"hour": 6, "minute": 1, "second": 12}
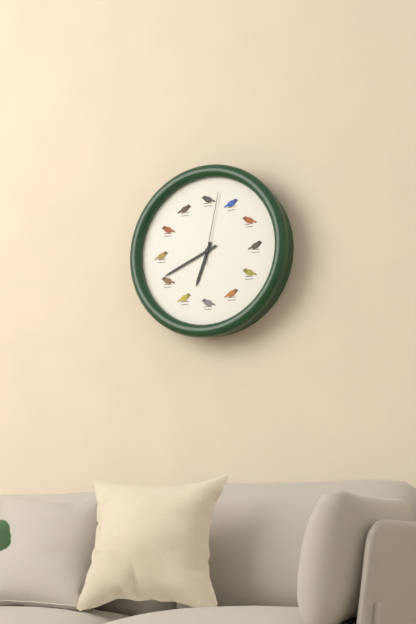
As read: {"hour": 6, "minute": 41, "second": 2}
